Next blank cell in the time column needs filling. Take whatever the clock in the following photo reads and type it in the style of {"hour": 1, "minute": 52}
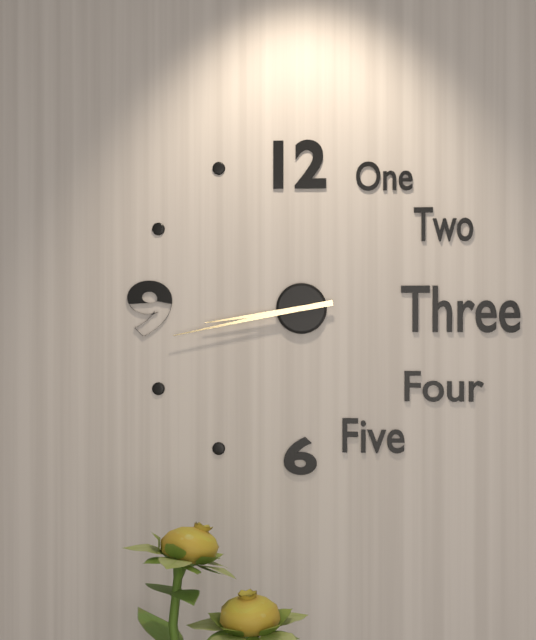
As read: {"hour": 8, "minute": 43}
